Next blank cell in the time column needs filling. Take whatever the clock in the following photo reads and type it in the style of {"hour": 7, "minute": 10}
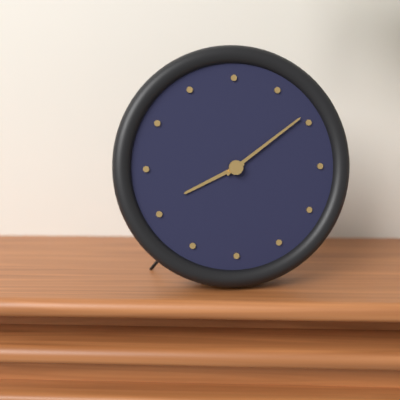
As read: {"hour": 8, "minute": 9}
